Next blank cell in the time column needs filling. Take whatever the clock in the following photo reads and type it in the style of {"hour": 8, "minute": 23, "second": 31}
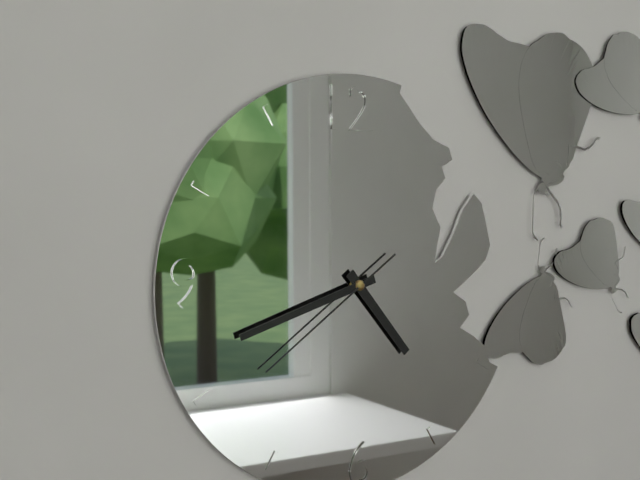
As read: {"hour": 4, "minute": 42, "second": 39}
